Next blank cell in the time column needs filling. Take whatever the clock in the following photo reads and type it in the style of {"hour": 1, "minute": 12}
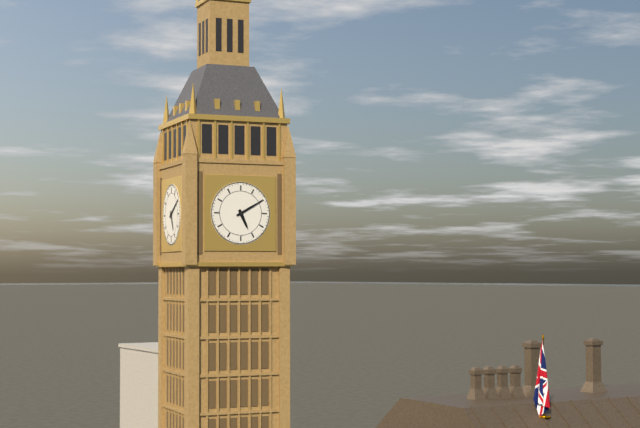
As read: {"hour": 5, "minute": 10}
